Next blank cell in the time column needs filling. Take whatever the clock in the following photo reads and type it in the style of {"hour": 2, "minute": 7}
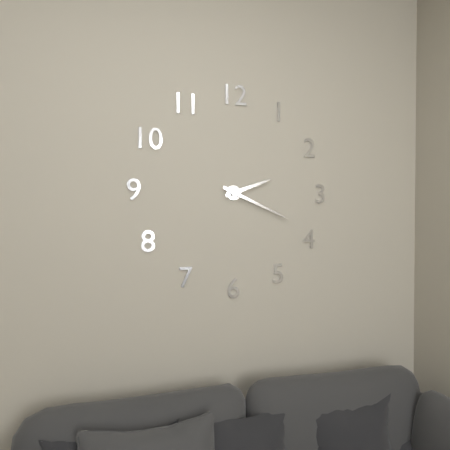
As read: {"hour": 2, "minute": 19}
